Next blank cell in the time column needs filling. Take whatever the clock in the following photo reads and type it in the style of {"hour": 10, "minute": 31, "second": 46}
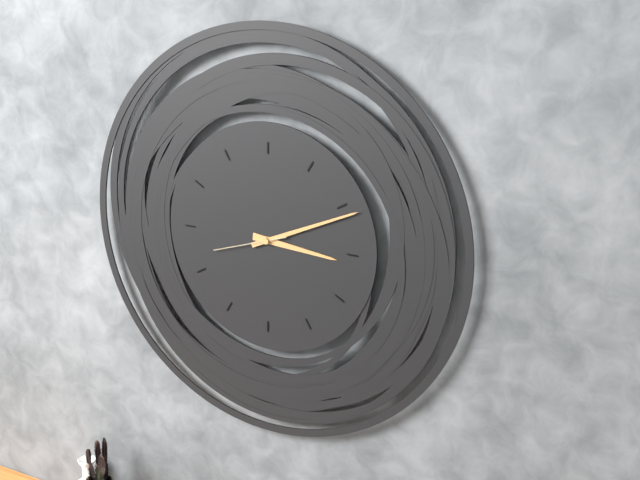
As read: {"hour": 3, "minute": 11, "second": 42}
